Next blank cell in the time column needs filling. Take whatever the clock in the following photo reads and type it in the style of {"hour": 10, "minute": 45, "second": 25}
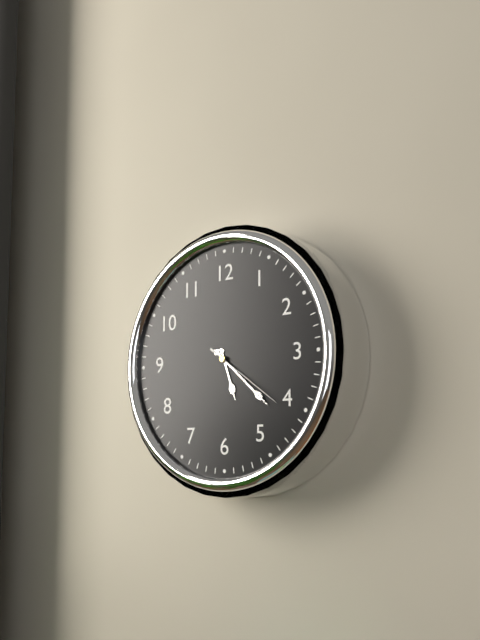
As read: {"hour": 5, "minute": 22, "second": 21}
